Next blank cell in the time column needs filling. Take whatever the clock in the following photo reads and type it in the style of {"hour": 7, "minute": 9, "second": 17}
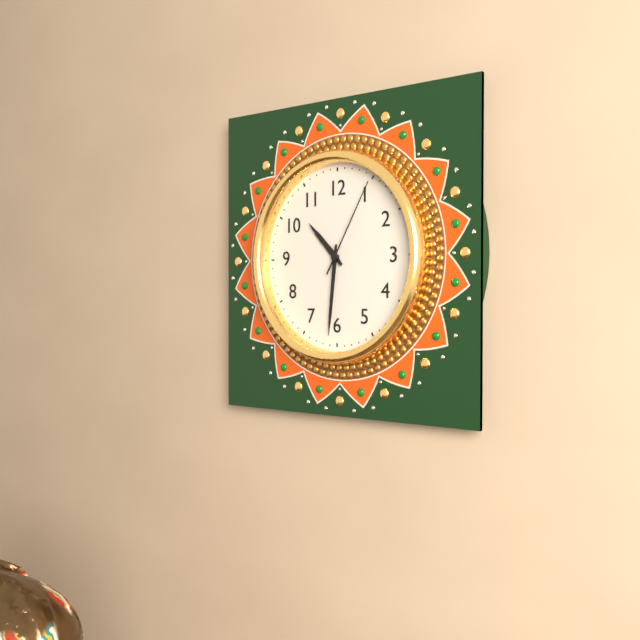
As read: {"hour": 10, "minute": 31, "second": 5}
